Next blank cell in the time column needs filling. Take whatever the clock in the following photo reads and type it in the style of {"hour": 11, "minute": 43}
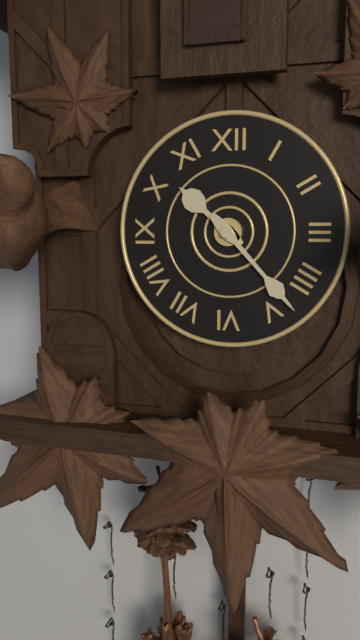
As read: {"hour": 10, "minute": 23}
